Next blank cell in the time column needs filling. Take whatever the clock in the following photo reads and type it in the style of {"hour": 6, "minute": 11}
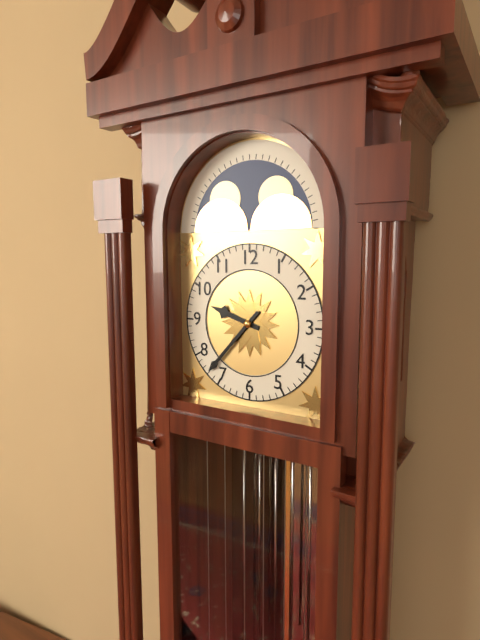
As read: {"hour": 9, "minute": 37}
